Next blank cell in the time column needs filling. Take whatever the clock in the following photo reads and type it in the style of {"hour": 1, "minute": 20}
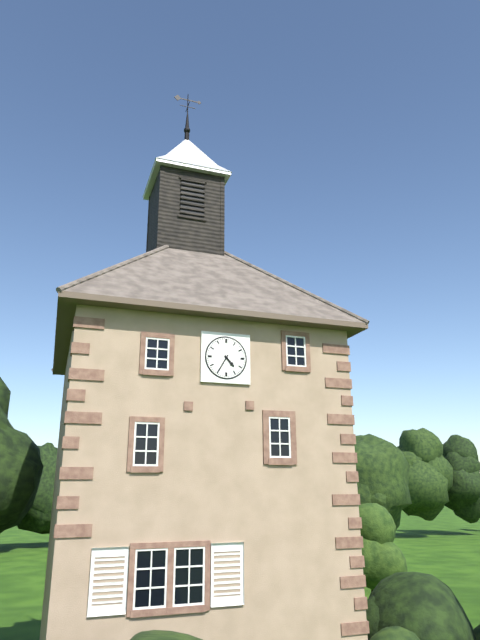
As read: {"hour": 4, "minute": 35}
